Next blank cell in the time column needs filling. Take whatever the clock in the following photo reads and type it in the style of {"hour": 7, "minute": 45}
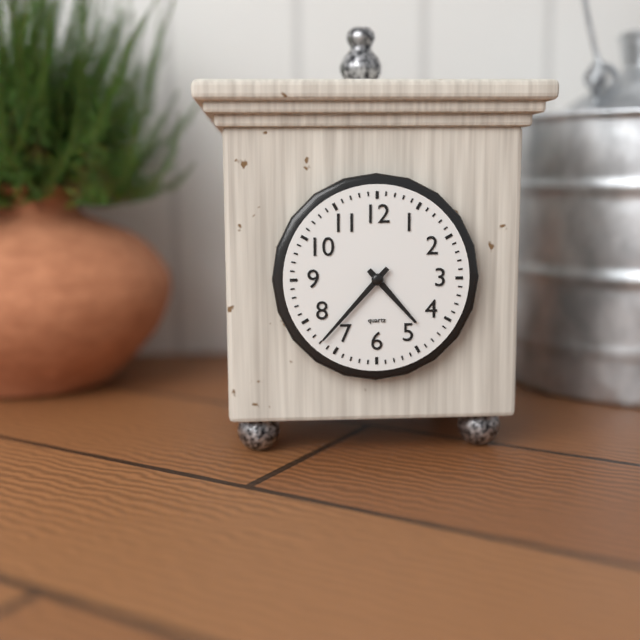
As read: {"hour": 4, "minute": 37}
